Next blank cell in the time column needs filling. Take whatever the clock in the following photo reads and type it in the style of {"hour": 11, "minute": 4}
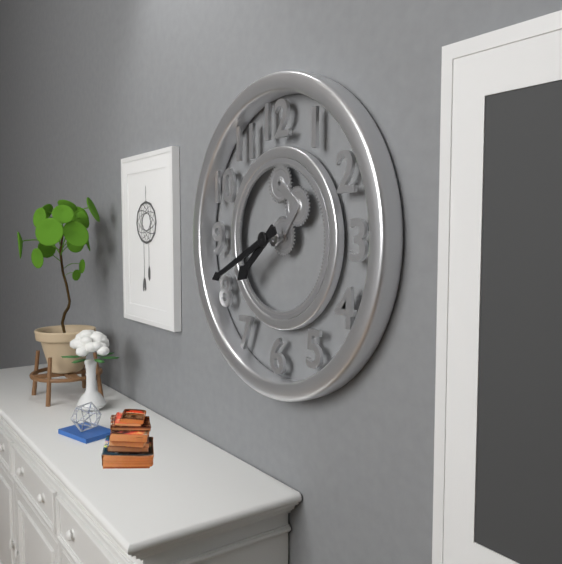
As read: {"hour": 7, "minute": 41}
